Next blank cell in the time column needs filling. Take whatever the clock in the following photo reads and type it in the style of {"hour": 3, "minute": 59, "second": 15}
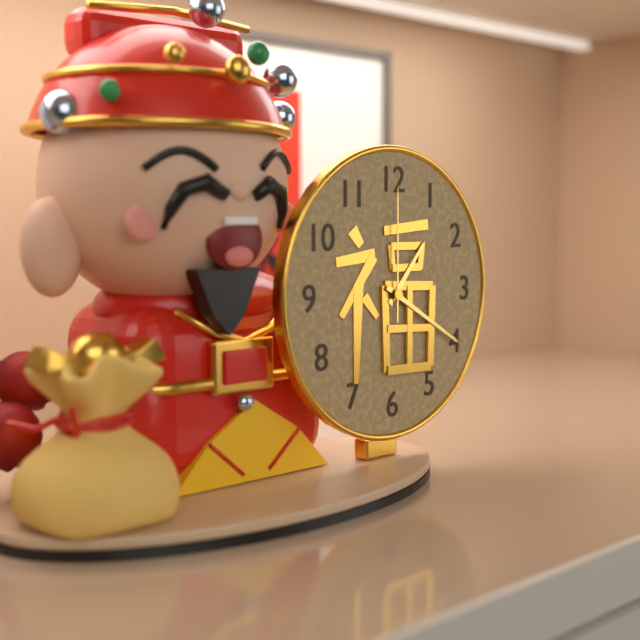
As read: {"hour": 1, "minute": 20, "second": 0}
